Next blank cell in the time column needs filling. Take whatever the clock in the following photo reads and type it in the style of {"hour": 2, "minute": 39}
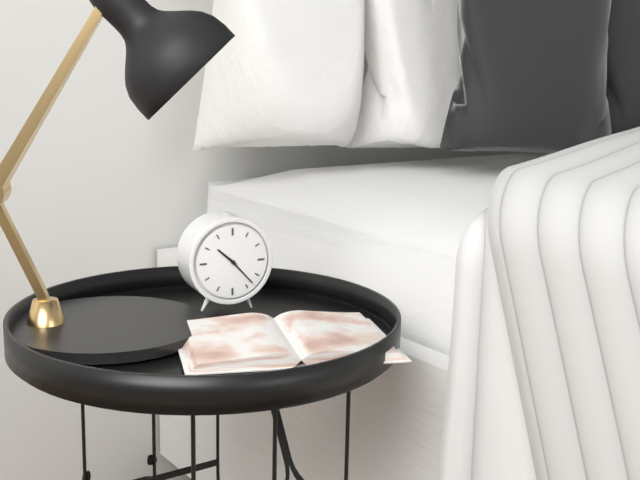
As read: {"hour": 10, "minute": 23}
